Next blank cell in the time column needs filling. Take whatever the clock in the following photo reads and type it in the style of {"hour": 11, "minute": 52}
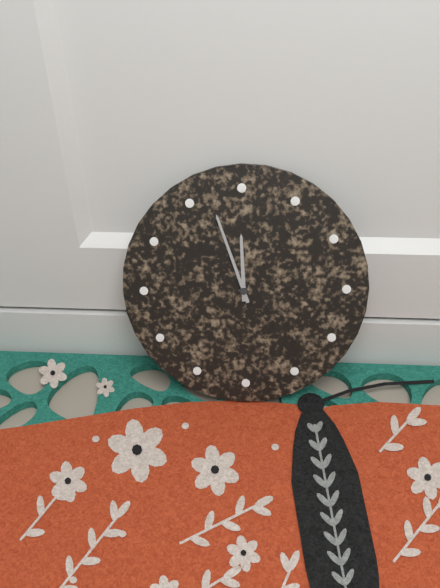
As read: {"hour": 11, "minute": 57}
